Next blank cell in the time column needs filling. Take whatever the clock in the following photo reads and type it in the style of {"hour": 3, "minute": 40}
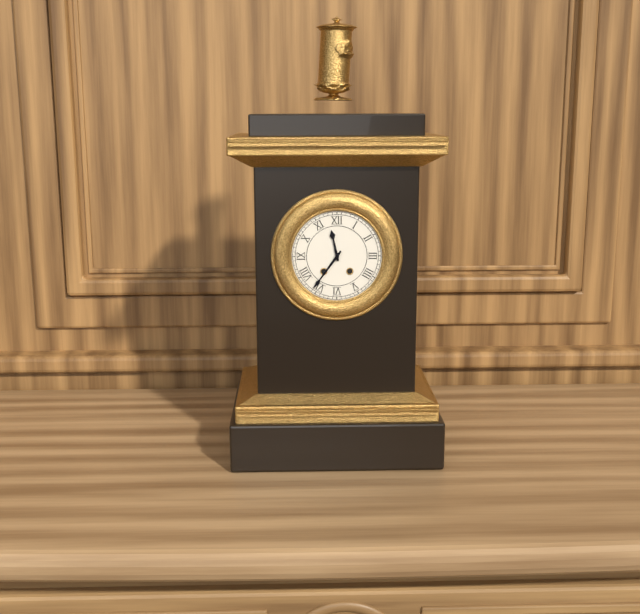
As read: {"hour": 11, "minute": 36}
